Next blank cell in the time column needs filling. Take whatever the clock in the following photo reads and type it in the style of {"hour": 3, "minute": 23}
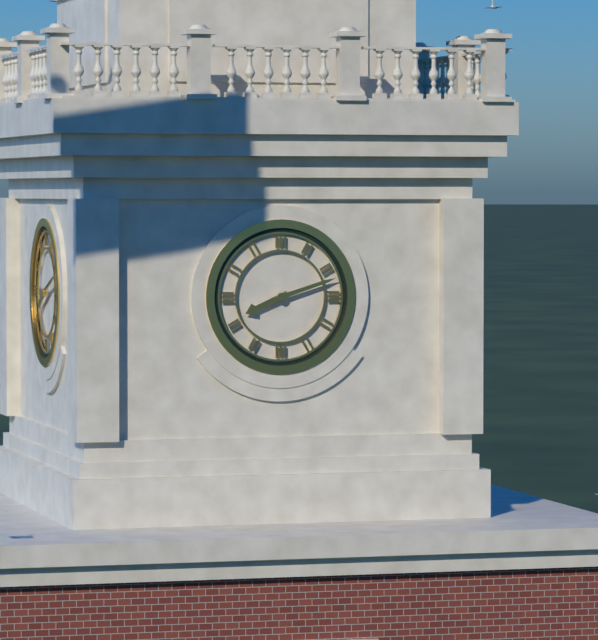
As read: {"hour": 8, "minute": 12}
